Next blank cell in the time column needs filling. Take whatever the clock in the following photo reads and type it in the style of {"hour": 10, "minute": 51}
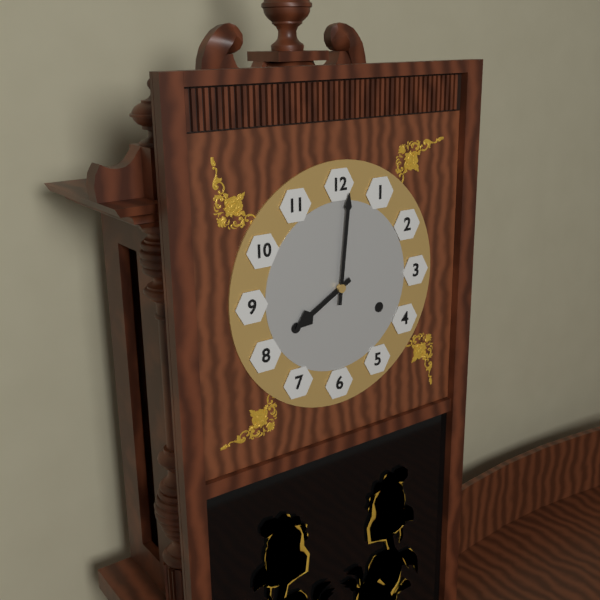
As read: {"hour": 8, "minute": 1}
